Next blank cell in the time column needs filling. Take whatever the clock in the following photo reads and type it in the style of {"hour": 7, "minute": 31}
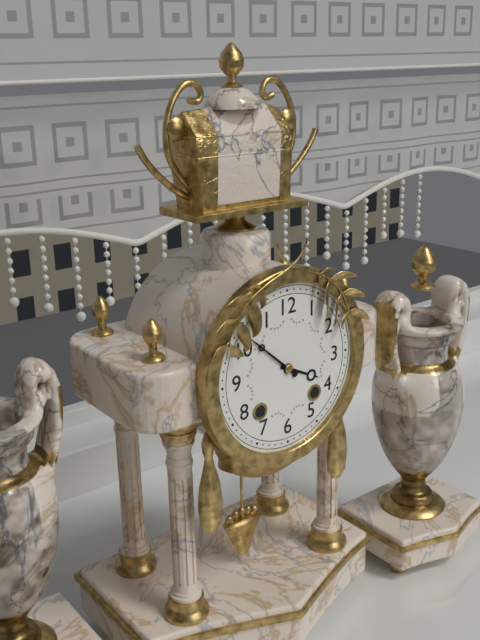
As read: {"hour": 3, "minute": 52}
